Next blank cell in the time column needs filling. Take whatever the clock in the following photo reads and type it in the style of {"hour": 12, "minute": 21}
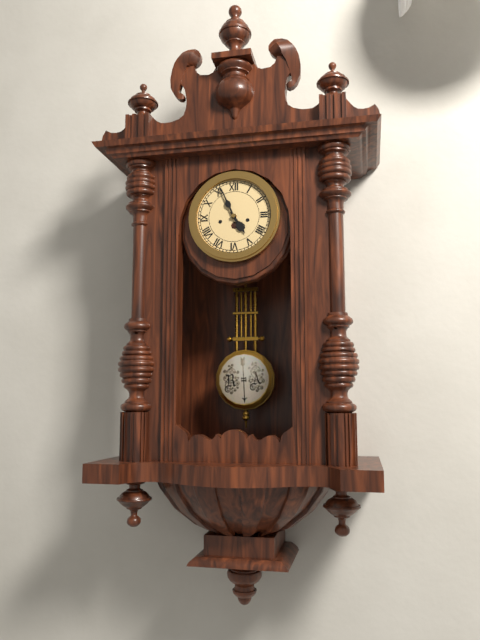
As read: {"hour": 4, "minute": 56}
